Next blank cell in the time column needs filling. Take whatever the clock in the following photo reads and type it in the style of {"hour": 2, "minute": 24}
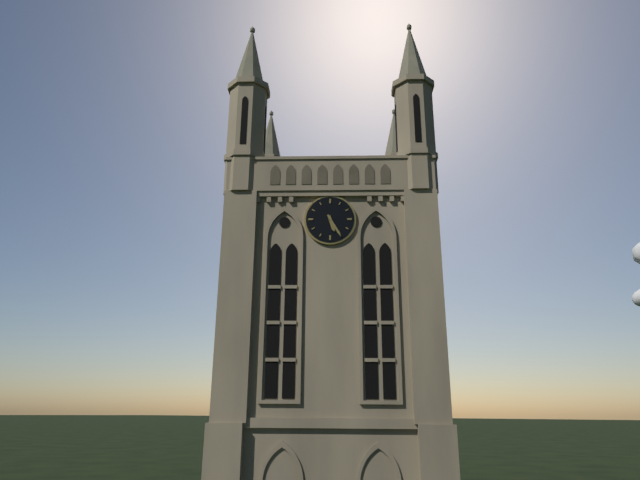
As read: {"hour": 5, "minute": 25}
